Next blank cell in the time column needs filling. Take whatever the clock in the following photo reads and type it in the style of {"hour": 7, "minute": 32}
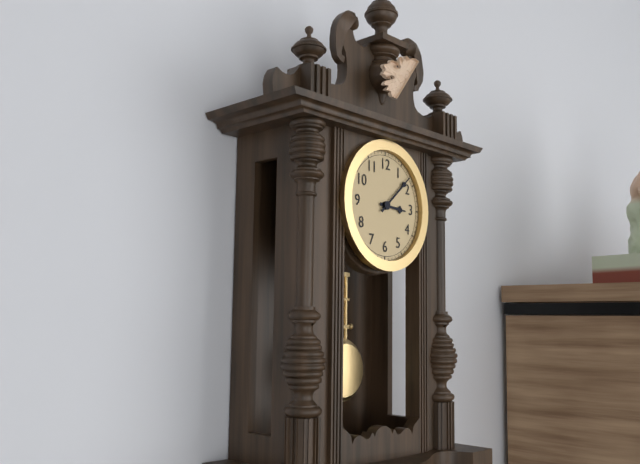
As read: {"hour": 3, "minute": 8}
